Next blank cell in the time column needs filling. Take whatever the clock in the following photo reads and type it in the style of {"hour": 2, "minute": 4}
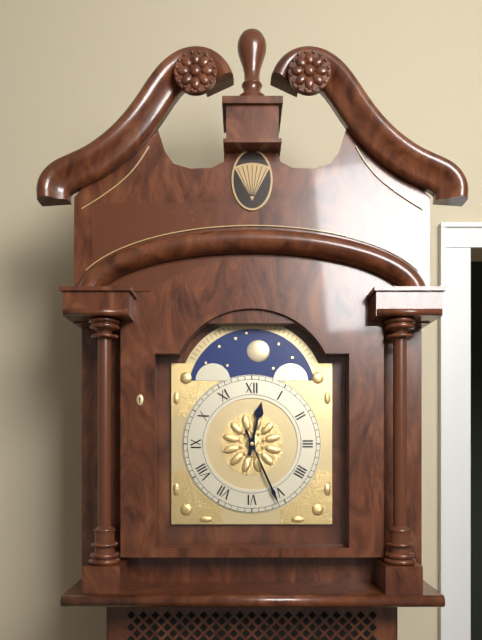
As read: {"hour": 12, "minute": 26}
